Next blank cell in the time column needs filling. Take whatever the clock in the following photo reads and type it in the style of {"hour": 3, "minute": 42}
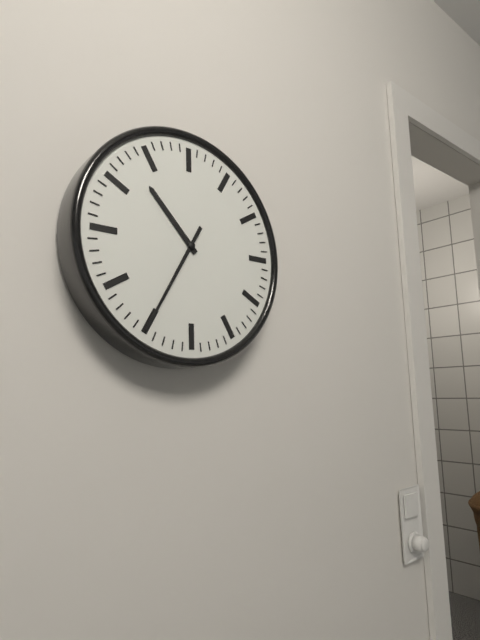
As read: {"hour": 10, "minute": 35}
